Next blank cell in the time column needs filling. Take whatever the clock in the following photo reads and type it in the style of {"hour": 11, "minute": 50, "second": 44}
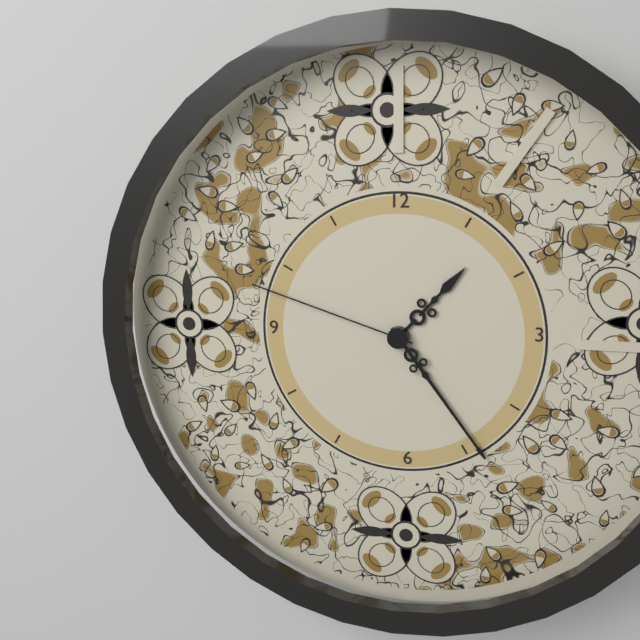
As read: {"hour": 1, "minute": 24, "second": 48}
